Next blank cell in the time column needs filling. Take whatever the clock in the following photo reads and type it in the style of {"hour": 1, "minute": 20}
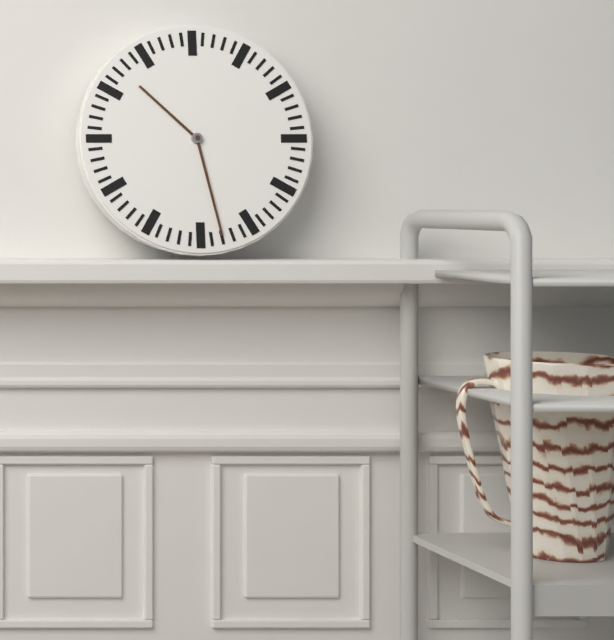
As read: {"hour": 10, "minute": 28}
